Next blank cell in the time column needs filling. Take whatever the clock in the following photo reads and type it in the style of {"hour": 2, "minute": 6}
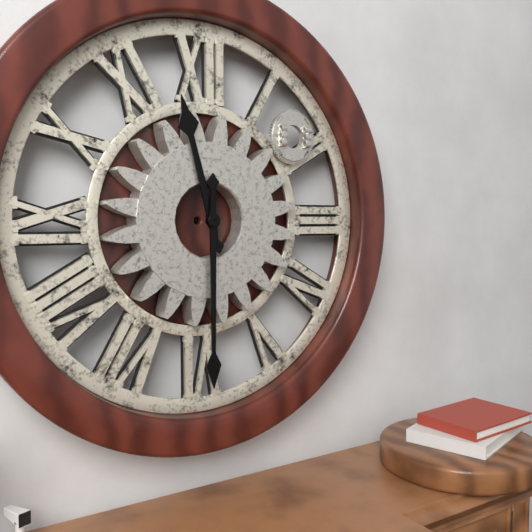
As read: {"hour": 11, "minute": 30}
